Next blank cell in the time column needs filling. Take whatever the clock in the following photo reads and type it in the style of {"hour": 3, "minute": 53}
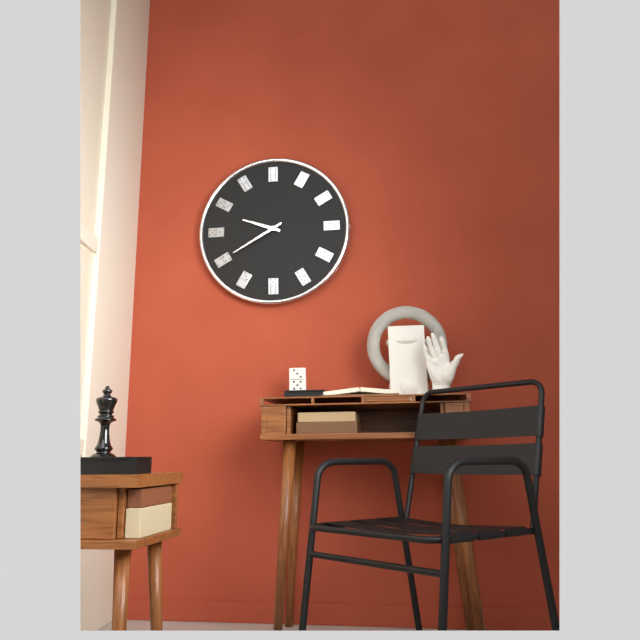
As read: {"hour": 9, "minute": 40}
